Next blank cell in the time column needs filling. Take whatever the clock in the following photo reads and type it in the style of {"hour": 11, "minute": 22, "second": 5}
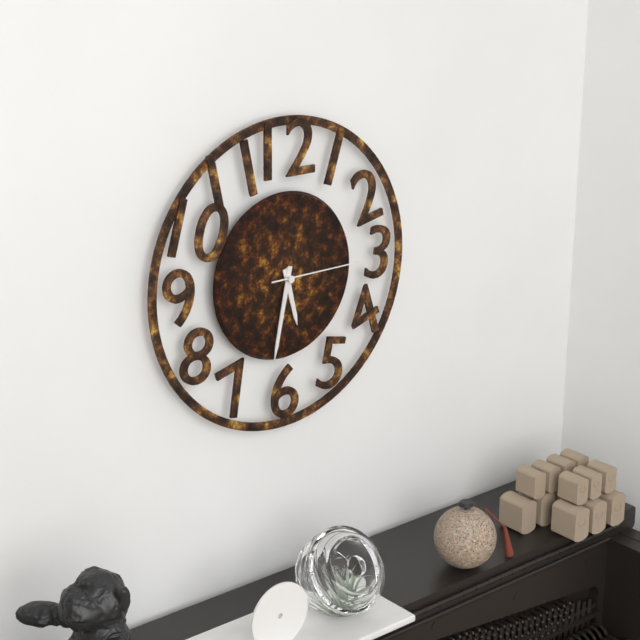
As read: {"hour": 5, "minute": 32, "second": 15}
